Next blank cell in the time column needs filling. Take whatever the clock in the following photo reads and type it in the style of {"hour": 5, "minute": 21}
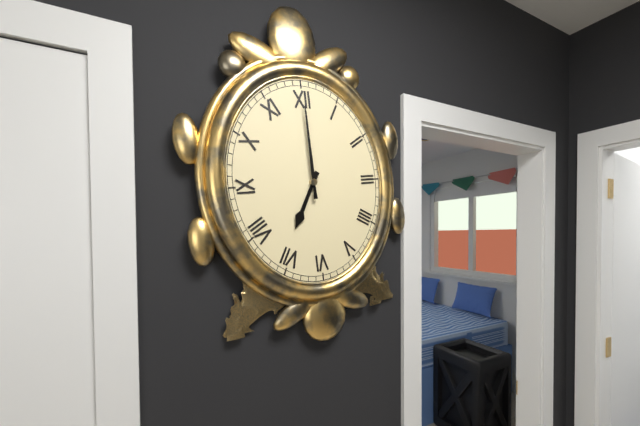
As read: {"hour": 7, "minute": 0}
